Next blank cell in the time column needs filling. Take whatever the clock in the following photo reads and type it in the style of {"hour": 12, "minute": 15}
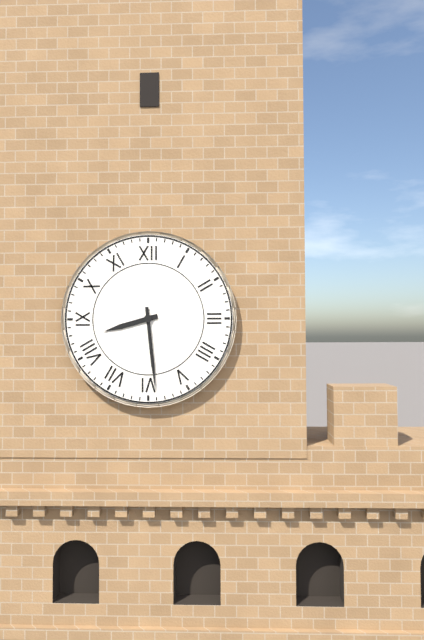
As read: {"hour": 8, "minute": 29}
